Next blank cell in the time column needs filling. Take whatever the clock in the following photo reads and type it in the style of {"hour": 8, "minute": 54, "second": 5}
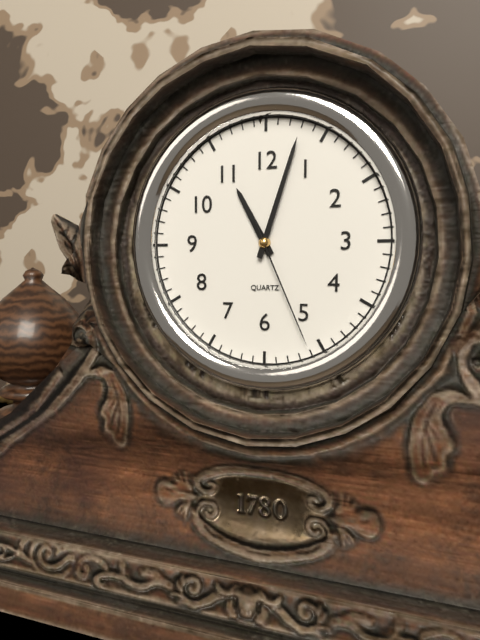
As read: {"hour": 11, "minute": 3, "second": 26}
